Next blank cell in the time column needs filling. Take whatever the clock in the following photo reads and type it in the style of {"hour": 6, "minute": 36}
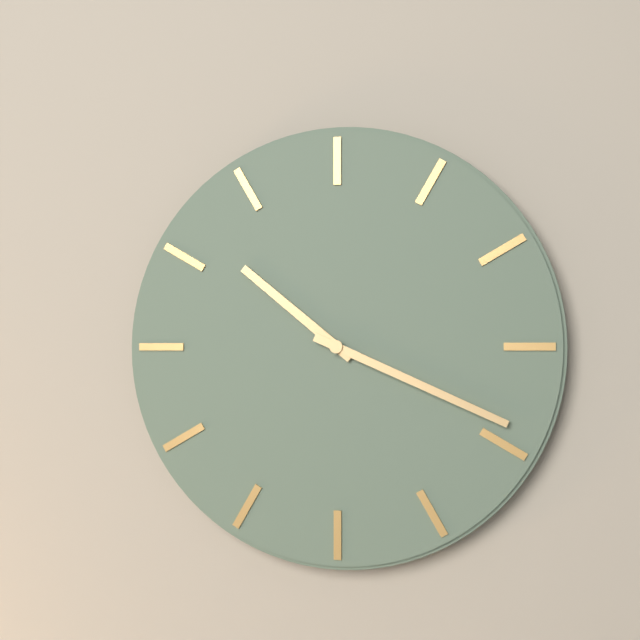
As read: {"hour": 10, "minute": 19}
